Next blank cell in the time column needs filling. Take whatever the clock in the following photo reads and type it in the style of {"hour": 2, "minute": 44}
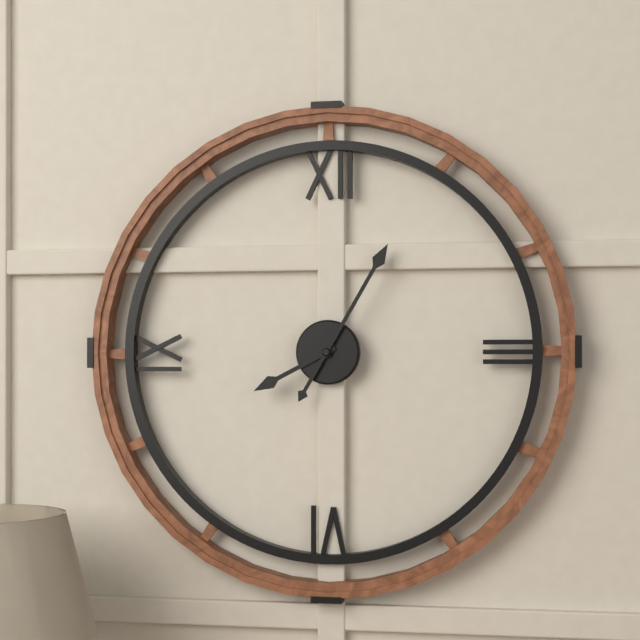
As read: {"hour": 8, "minute": 5}
